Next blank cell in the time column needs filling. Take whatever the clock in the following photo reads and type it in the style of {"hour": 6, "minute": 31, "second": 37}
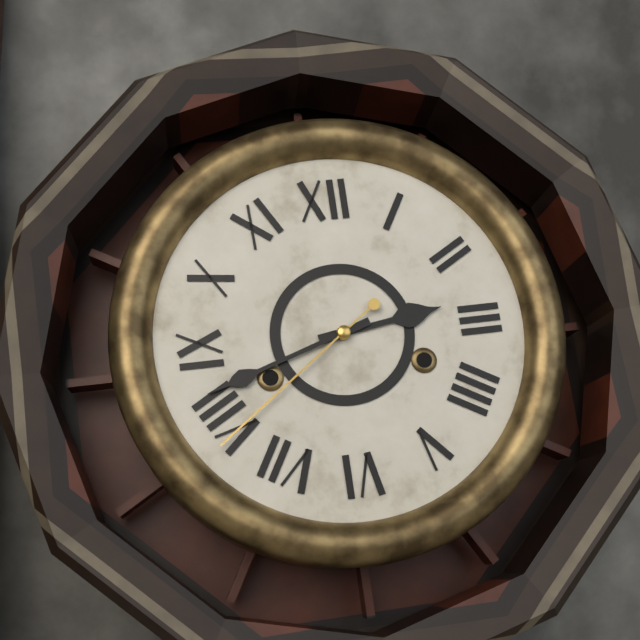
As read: {"hour": 2, "minute": 42, "second": 39}
